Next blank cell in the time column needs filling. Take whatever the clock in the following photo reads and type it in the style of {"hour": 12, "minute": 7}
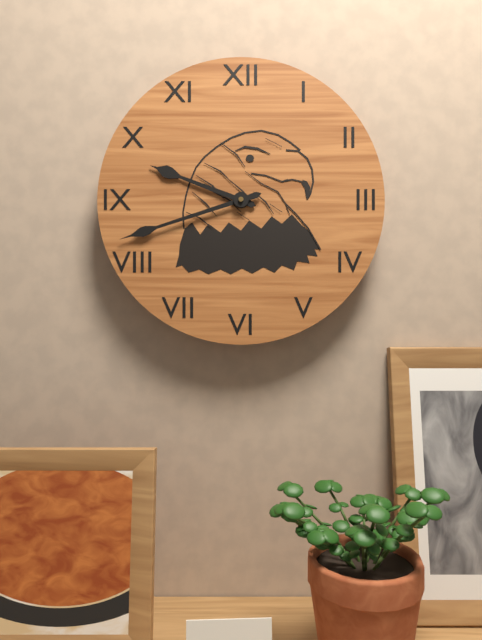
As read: {"hour": 9, "minute": 42}
